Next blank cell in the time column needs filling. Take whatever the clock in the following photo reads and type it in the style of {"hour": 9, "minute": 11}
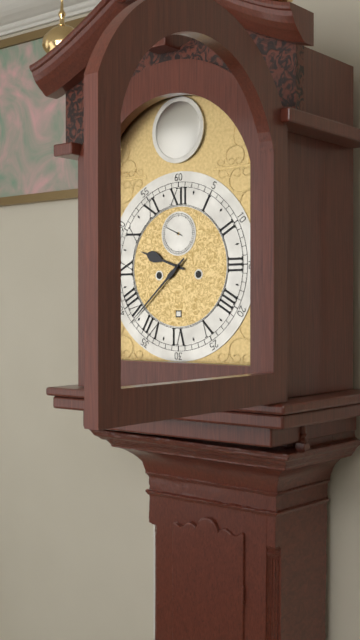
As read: {"hour": 9, "minute": 38}
